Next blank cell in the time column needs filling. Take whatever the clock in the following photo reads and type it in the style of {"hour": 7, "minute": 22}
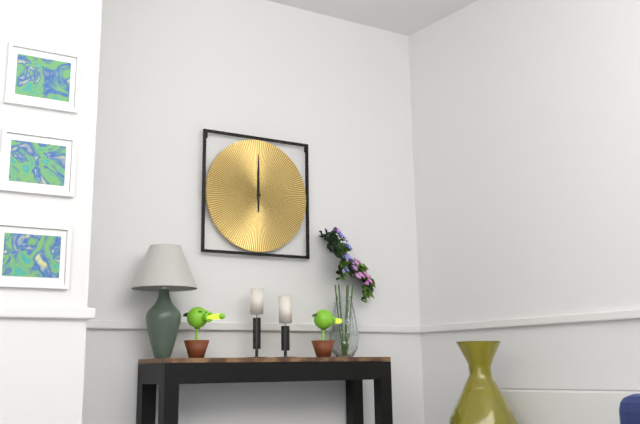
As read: {"hour": 12, "minute": 0}
